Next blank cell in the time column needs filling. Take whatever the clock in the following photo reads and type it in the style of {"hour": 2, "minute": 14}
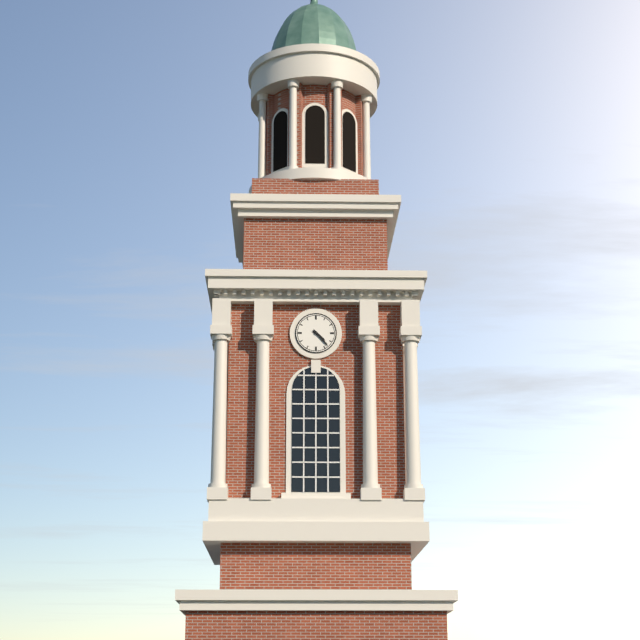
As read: {"hour": 4, "minute": 23}
